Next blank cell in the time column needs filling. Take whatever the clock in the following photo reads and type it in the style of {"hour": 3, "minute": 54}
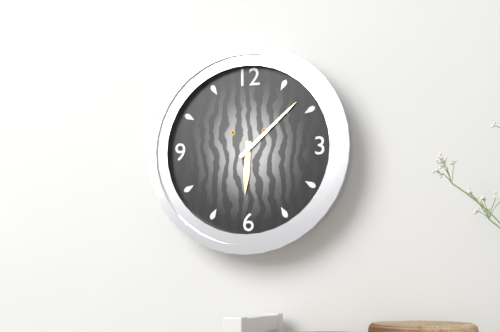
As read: {"hour": 6, "minute": 8}
